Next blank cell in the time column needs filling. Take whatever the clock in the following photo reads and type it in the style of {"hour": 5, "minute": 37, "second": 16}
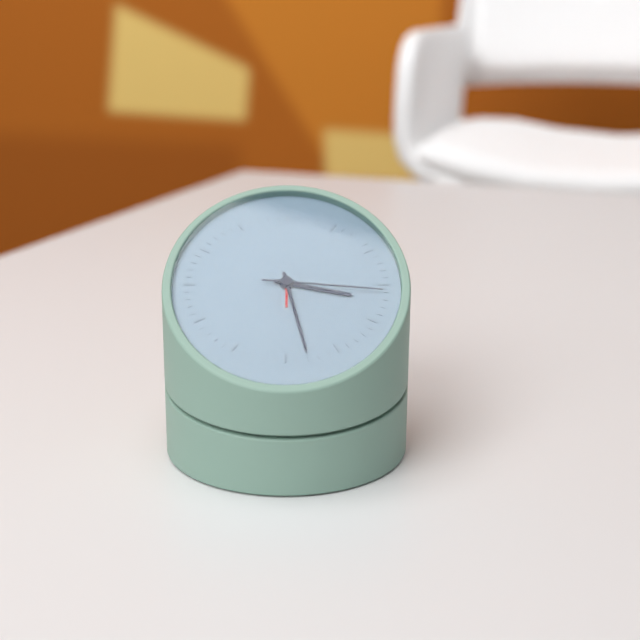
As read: {"hour": 3, "minute": 28, "second": 16}
